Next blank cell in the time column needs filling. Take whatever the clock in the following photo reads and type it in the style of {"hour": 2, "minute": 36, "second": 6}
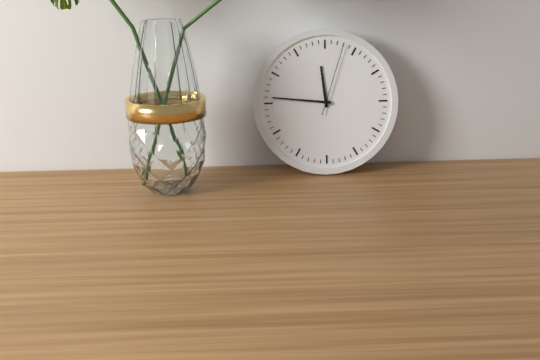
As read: {"hour": 11, "minute": 46, "second": 3}
